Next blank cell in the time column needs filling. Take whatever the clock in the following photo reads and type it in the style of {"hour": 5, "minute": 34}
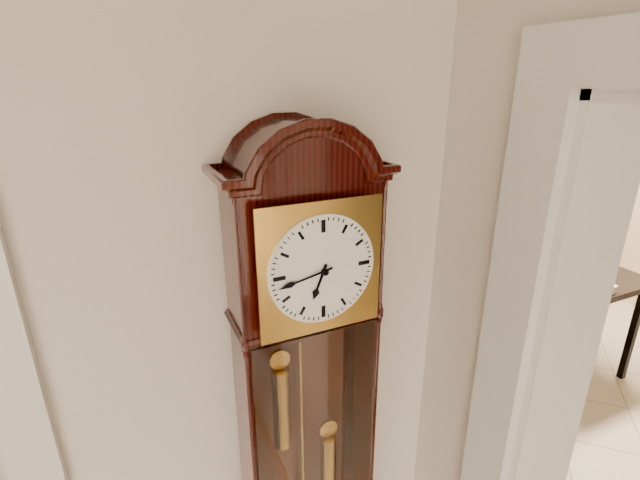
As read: {"hour": 6, "minute": 43}
